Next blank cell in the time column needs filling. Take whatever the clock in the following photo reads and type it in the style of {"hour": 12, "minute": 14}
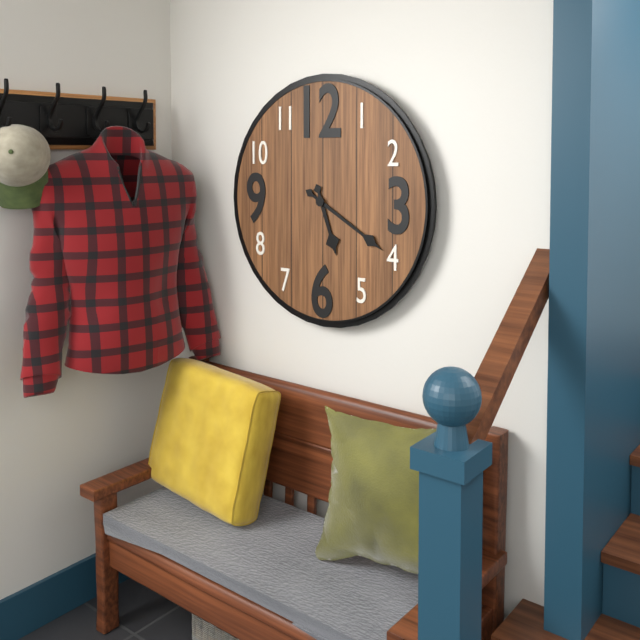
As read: {"hour": 5, "minute": 20}
